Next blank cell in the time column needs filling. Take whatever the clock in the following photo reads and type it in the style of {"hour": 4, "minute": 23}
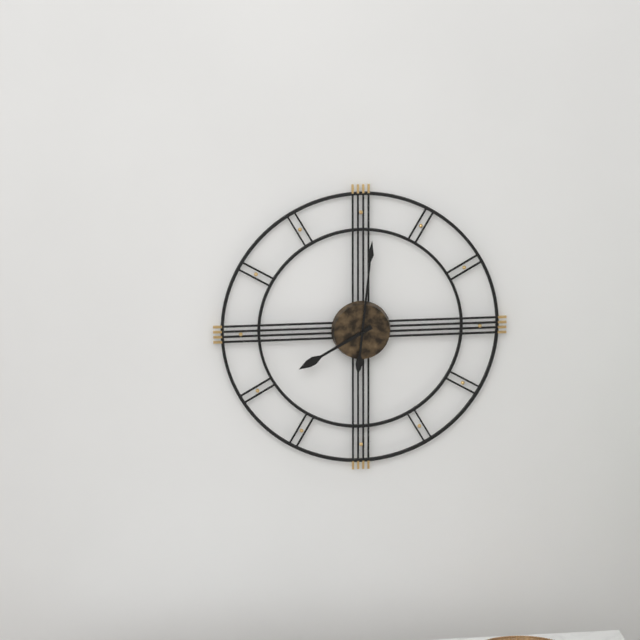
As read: {"hour": 8, "minute": 1}
